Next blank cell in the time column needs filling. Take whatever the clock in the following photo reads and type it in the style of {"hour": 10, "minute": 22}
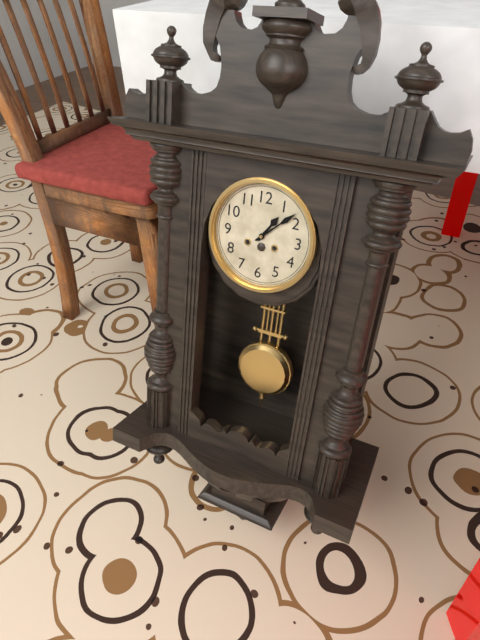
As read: {"hour": 1, "minute": 8}
